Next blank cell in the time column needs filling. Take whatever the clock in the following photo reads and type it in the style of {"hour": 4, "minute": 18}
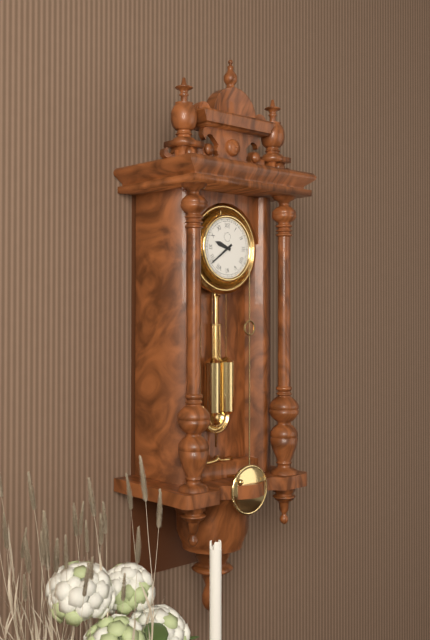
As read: {"hour": 9, "minute": 39}
